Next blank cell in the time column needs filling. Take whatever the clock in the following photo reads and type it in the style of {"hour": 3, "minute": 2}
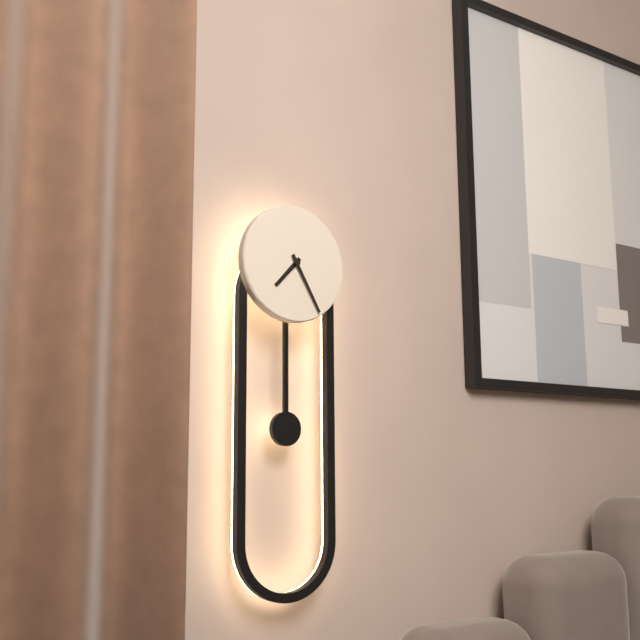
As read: {"hour": 7, "minute": 25}
